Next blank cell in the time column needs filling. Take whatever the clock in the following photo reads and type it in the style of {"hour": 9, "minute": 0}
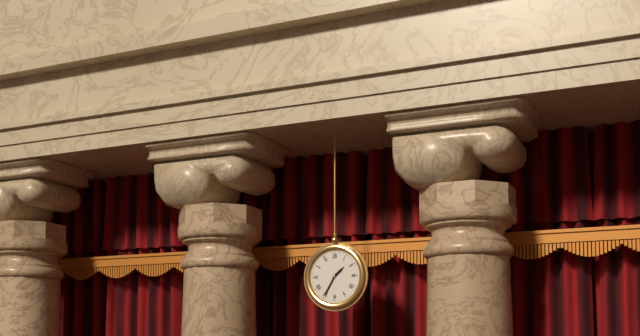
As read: {"hour": 1, "minute": 35}
